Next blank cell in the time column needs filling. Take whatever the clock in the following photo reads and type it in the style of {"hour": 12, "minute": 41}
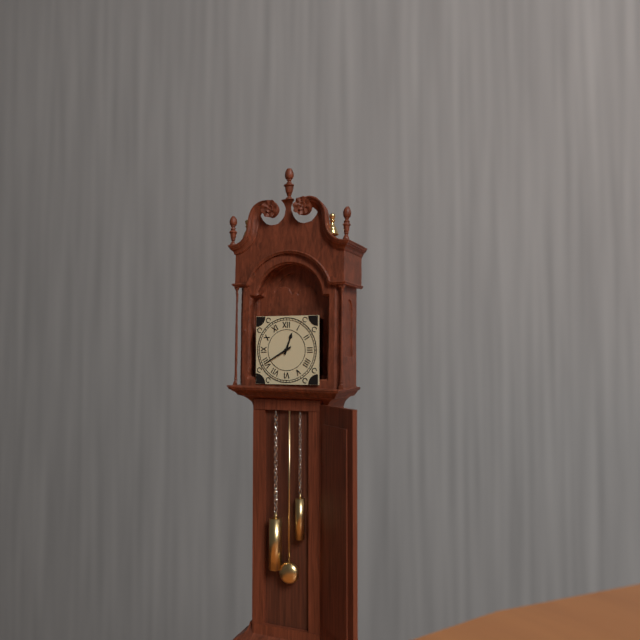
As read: {"hour": 12, "minute": 40}
